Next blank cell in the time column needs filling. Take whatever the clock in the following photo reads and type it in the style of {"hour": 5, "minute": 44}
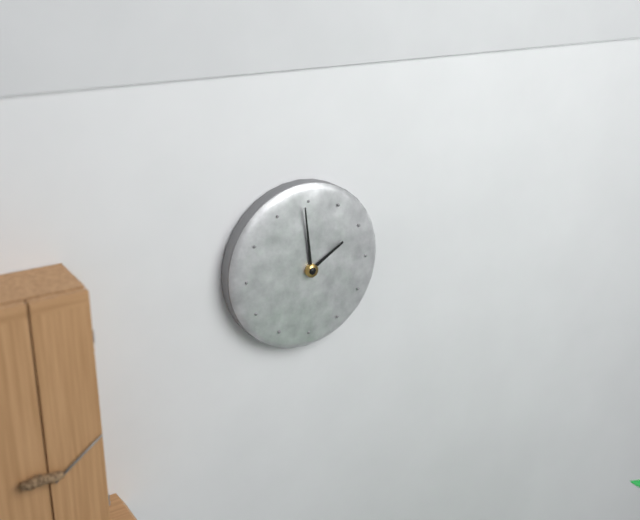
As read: {"hour": 1, "minute": 59}
